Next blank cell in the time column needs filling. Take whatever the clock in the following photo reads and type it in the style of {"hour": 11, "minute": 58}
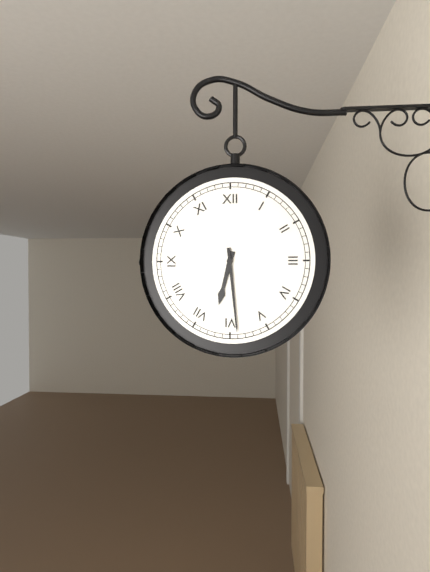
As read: {"hour": 6, "minute": 29}
